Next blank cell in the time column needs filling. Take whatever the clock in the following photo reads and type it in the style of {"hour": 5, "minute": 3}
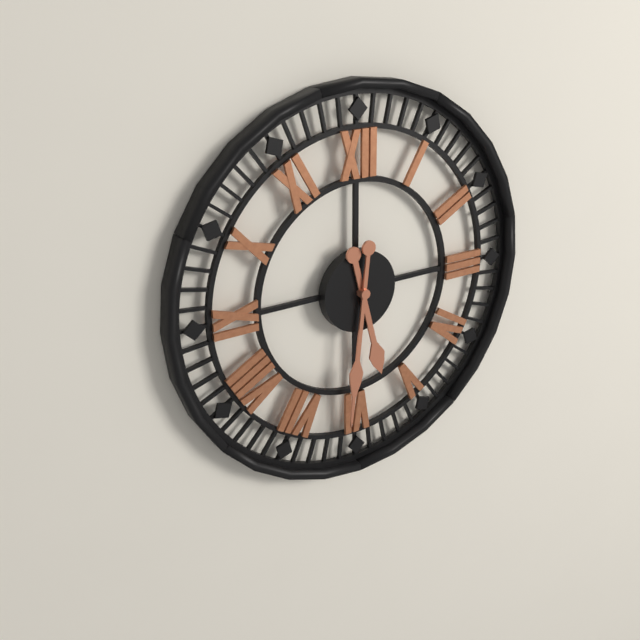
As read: {"hour": 5, "minute": 31}
